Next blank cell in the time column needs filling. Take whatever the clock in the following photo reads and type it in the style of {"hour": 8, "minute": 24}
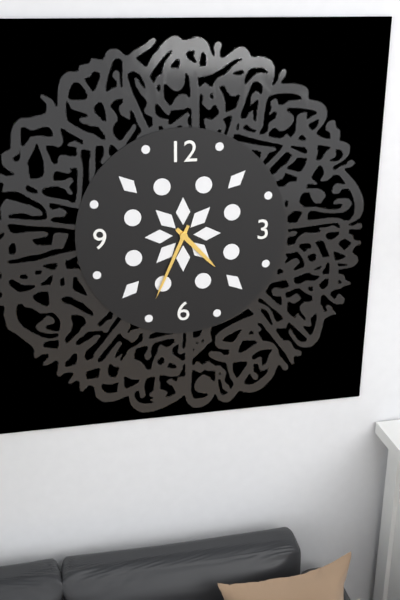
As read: {"hour": 4, "minute": 34}
